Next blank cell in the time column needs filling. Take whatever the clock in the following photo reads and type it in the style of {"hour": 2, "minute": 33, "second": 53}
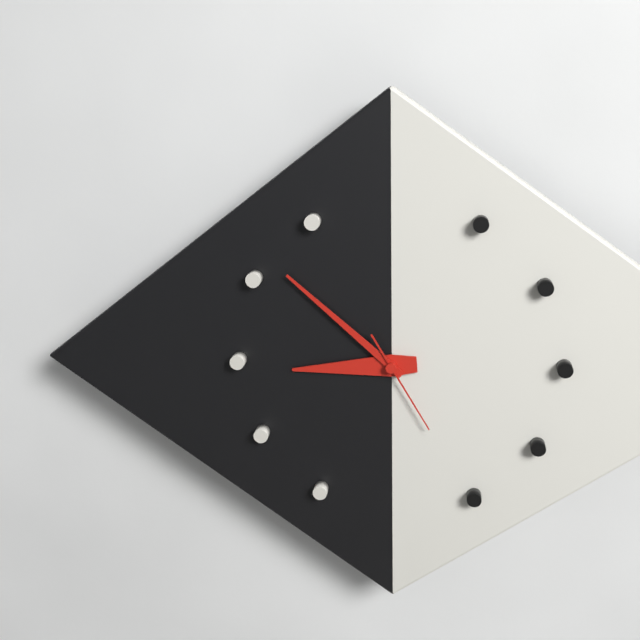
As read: {"hour": 8, "minute": 52, "second": 25}
